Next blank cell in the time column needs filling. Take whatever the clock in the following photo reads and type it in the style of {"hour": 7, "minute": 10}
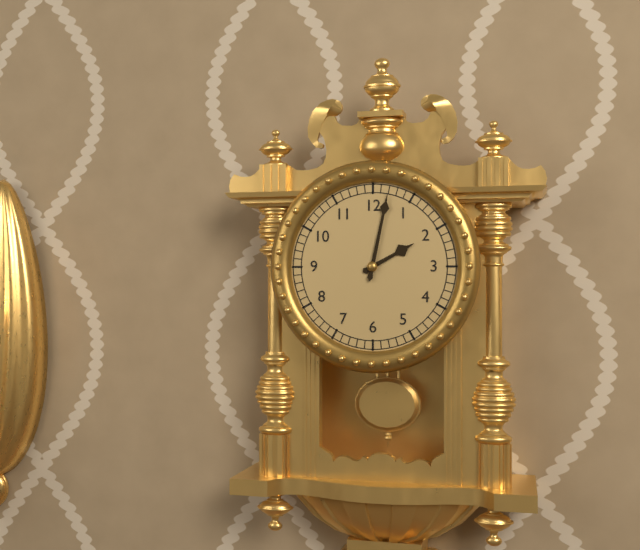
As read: {"hour": 2, "minute": 2}
